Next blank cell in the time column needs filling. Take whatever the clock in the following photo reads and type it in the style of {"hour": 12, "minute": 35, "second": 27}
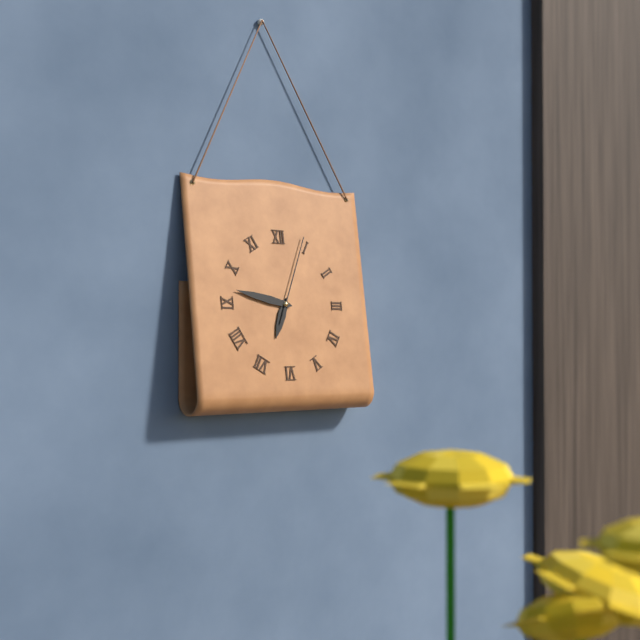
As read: {"hour": 6, "minute": 47, "second": 4}
